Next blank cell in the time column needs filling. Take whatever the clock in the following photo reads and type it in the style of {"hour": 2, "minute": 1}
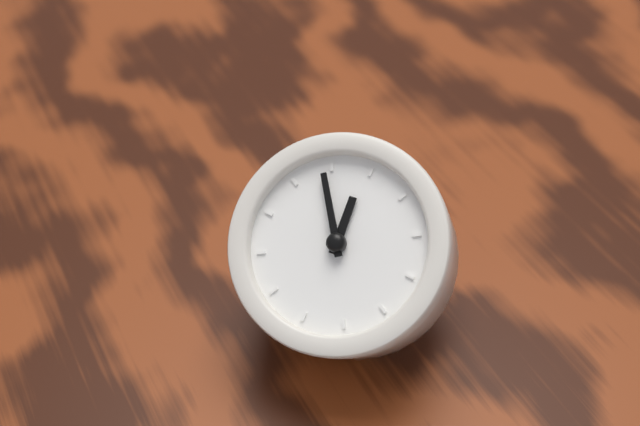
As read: {"hour": 10, "minute": 49}
